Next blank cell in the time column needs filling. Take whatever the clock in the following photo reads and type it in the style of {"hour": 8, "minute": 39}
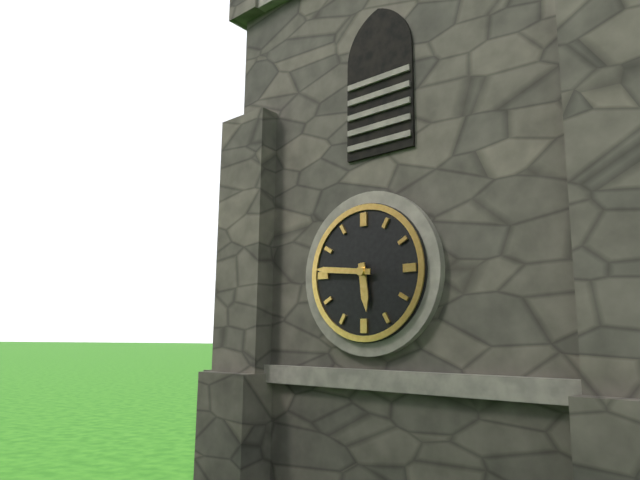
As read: {"hour": 5, "minute": 46}
